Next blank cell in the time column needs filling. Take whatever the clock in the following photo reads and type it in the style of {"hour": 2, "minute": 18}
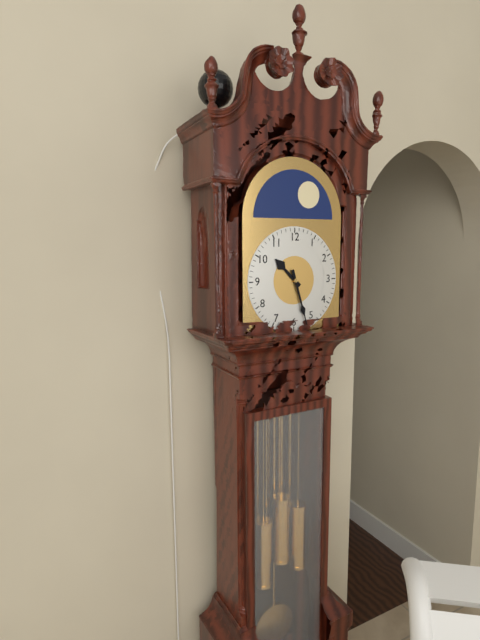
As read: {"hour": 10, "minute": 27}
